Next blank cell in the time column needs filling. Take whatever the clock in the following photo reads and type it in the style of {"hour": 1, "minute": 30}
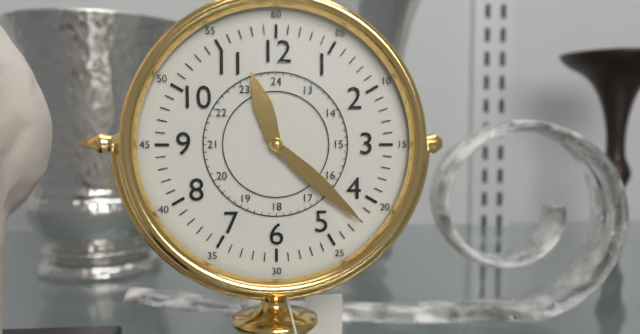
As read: {"hour": 11, "minute": 22}
